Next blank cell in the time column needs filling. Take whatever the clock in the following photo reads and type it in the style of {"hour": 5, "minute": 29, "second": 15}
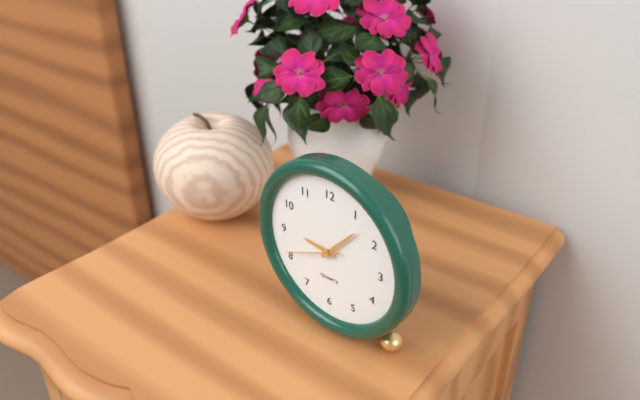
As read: {"hour": 9, "minute": 7, "second": 41}
